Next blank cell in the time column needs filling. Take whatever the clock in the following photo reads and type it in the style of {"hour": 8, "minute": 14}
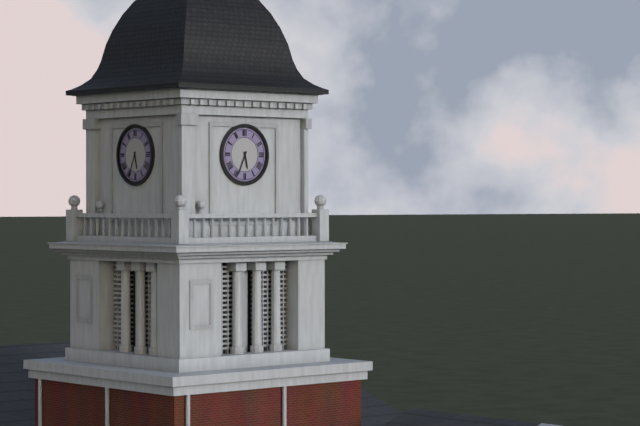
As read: {"hour": 5, "minute": 34}
